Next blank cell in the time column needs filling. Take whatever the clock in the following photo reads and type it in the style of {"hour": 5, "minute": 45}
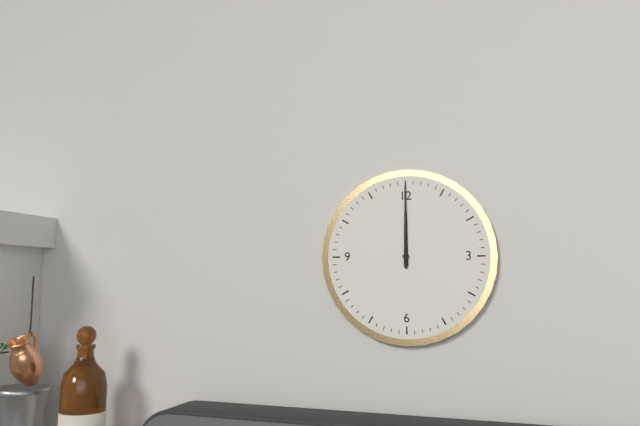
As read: {"hour": 12, "minute": 0}
